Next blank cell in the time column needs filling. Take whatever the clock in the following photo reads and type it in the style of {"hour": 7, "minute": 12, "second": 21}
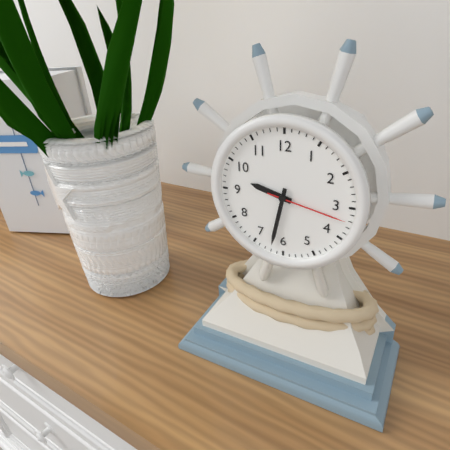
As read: {"hour": 9, "minute": 32, "second": 17}
